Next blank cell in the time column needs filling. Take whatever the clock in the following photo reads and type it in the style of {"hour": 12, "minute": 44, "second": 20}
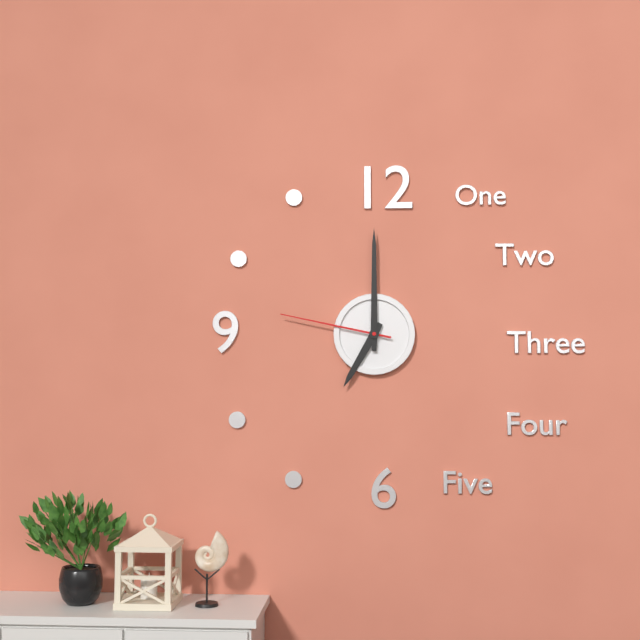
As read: {"hour": 7, "minute": 0, "second": 47}
